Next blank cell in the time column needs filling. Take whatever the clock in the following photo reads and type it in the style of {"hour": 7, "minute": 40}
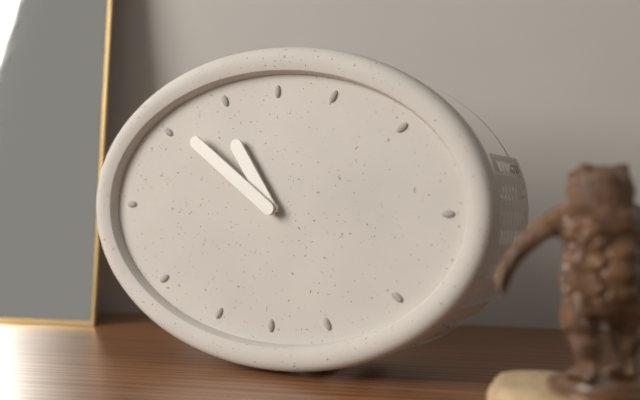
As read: {"hour": 10, "minute": 51}
